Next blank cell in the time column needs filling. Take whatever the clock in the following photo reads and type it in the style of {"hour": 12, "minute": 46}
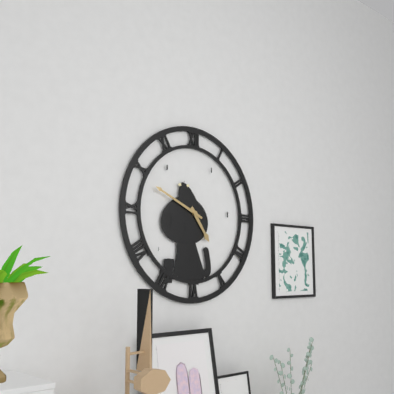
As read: {"hour": 4, "minute": 49}
